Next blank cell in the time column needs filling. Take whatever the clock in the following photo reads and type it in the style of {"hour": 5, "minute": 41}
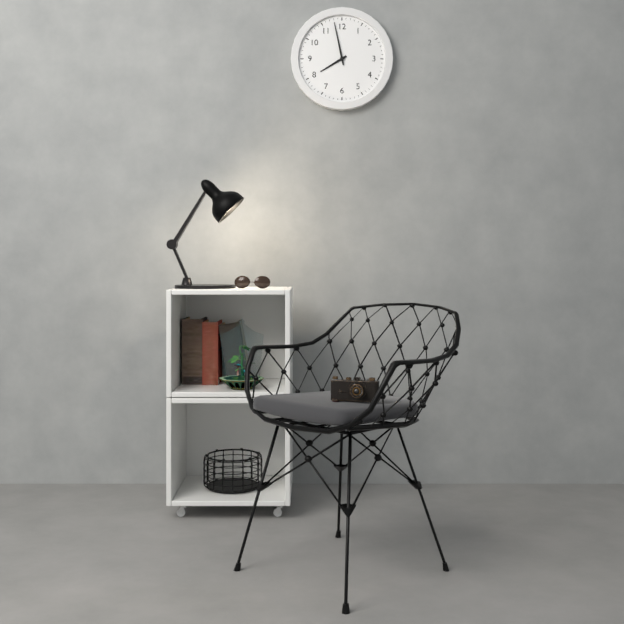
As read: {"hour": 7, "minute": 58}
